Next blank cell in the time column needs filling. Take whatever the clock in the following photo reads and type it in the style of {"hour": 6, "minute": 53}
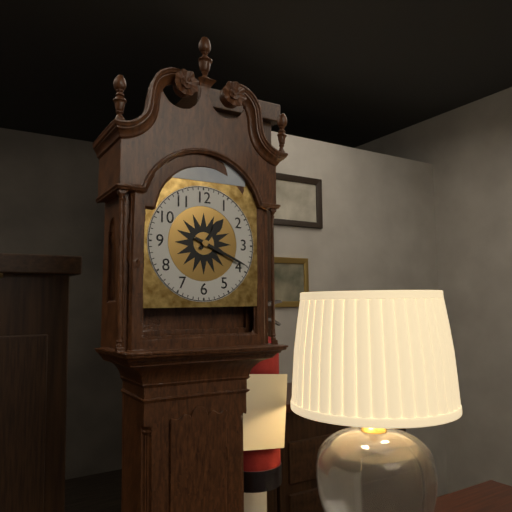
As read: {"hour": 1, "minute": 19}
